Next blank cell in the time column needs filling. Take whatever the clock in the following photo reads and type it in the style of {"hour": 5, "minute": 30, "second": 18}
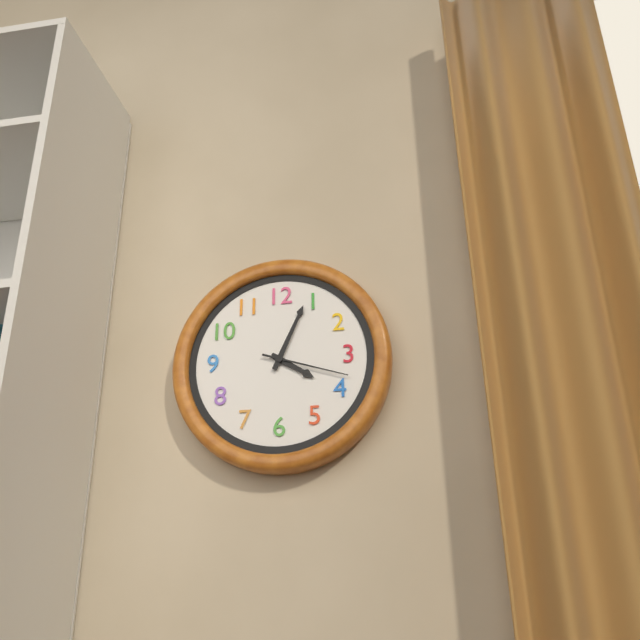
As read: {"hour": 4, "minute": 4, "second": 18}
